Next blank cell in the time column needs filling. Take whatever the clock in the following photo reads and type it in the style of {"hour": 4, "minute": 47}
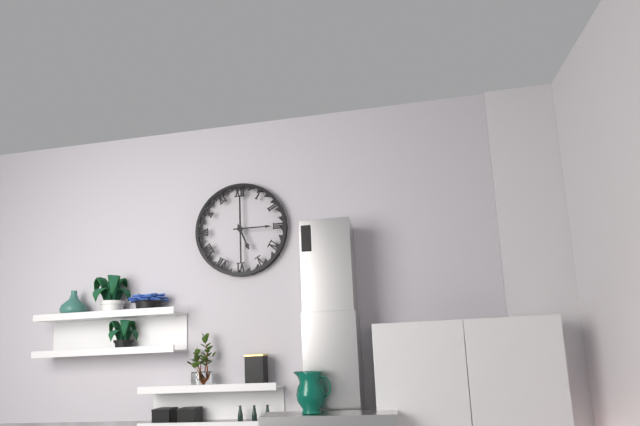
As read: {"hour": 5, "minute": 15}
